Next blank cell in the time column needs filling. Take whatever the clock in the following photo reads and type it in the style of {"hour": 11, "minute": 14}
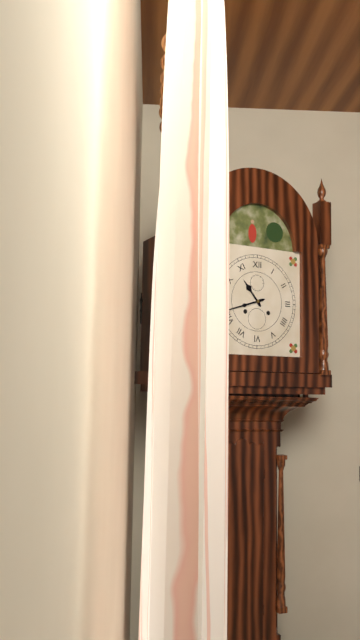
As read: {"hour": 10, "minute": 42}
